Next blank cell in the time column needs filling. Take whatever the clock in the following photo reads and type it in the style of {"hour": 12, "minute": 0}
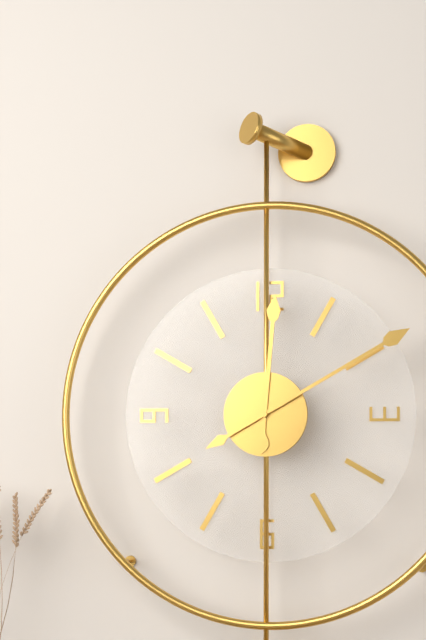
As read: {"hour": 12, "minute": 10}
